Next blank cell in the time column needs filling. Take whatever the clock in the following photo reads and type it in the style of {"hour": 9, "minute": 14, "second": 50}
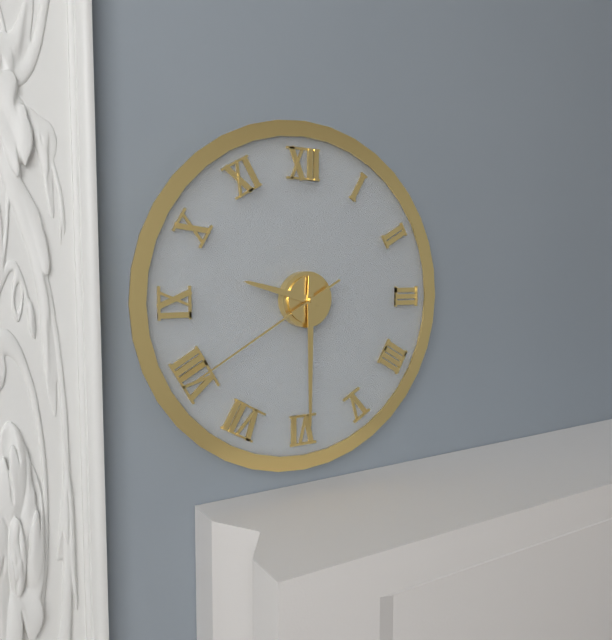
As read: {"hour": 9, "minute": 30, "second": 40}
